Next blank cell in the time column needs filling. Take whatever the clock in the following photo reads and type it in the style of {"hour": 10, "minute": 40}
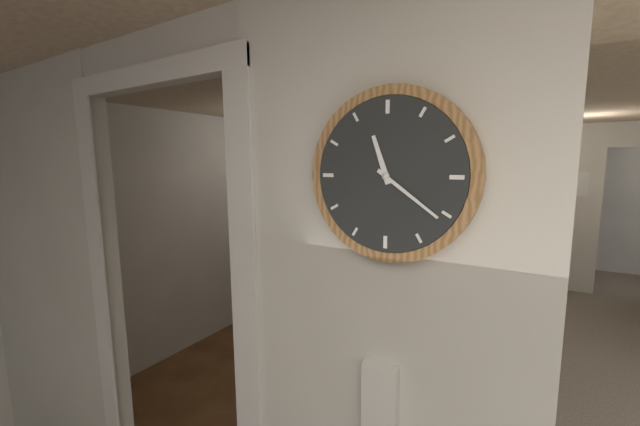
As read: {"hour": 11, "minute": 21}
